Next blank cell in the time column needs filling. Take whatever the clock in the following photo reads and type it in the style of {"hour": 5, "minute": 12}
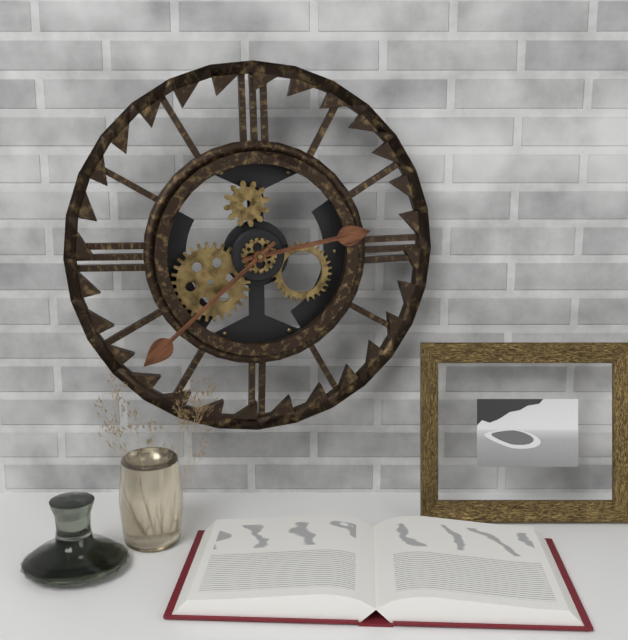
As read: {"hour": 2, "minute": 38}
